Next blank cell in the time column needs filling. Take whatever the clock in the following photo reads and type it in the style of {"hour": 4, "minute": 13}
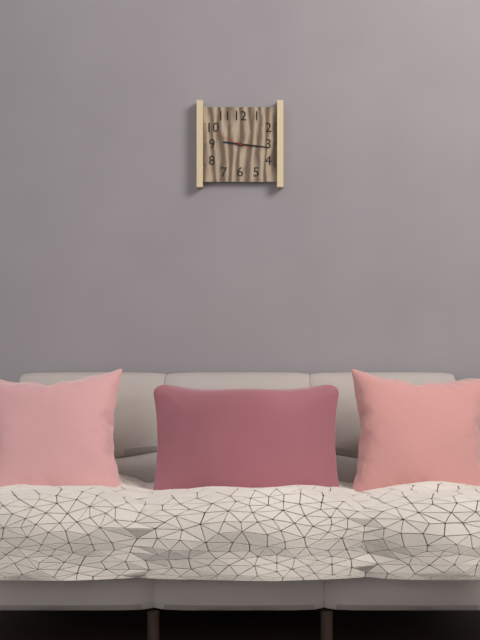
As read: {"hour": 9, "minute": 16}
